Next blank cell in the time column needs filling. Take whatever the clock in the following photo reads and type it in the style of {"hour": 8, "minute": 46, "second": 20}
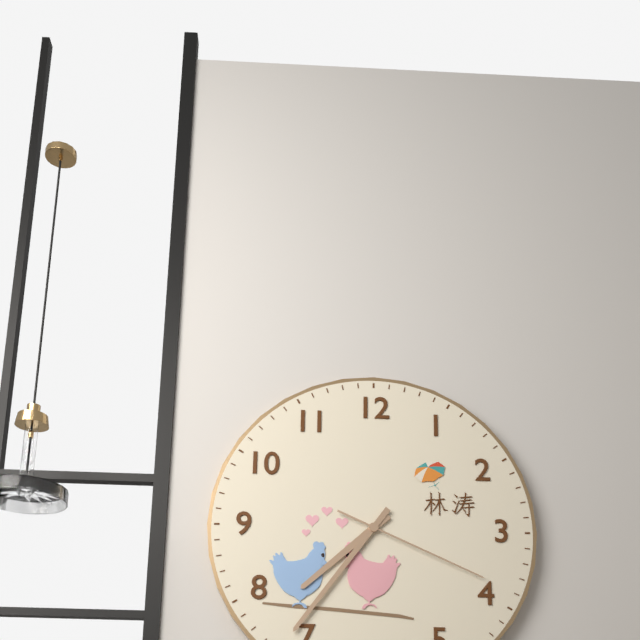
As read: {"hour": 7, "minute": 36, "second": 19}
